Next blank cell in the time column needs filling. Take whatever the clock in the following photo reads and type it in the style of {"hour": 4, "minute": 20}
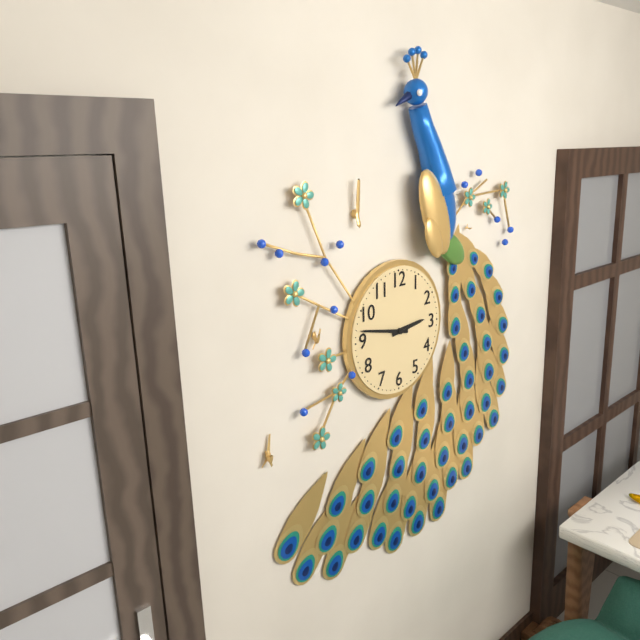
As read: {"hour": 2, "minute": 47}
